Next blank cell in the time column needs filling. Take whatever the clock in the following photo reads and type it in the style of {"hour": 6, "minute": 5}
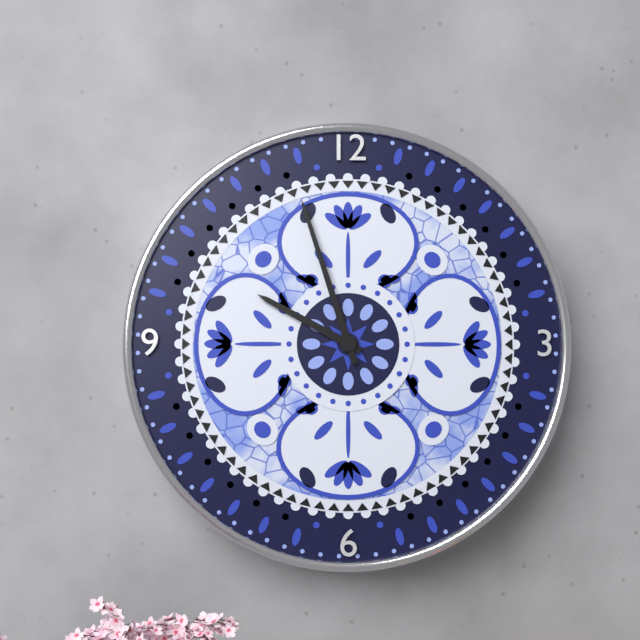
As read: {"hour": 9, "minute": 57}
